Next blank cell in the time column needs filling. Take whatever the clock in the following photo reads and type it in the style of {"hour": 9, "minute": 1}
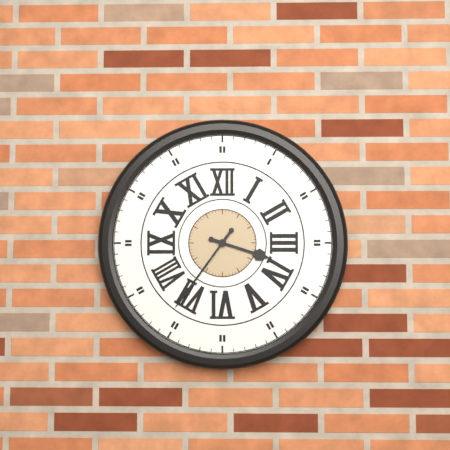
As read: {"hour": 3, "minute": 36}
